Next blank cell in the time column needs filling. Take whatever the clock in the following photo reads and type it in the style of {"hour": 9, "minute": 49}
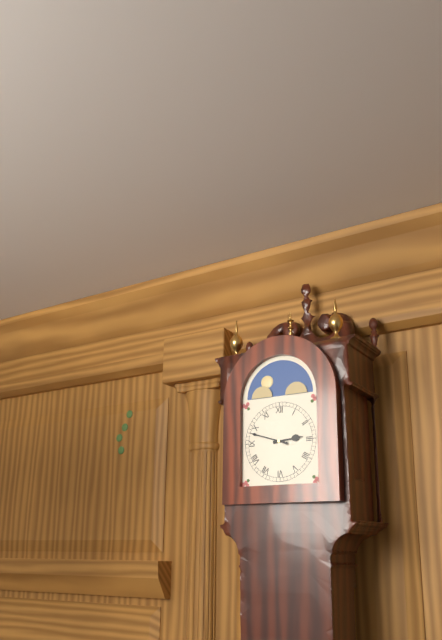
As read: {"hour": 2, "minute": 48}
